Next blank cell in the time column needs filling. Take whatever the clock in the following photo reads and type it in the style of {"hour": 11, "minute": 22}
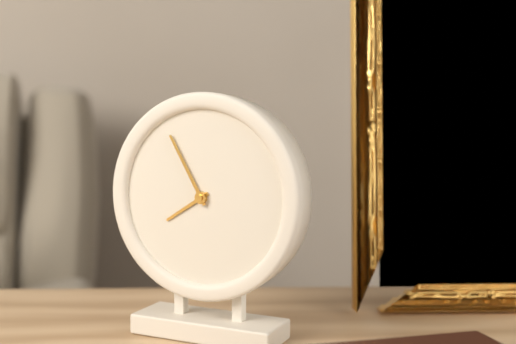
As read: {"hour": 7, "minute": 55}
